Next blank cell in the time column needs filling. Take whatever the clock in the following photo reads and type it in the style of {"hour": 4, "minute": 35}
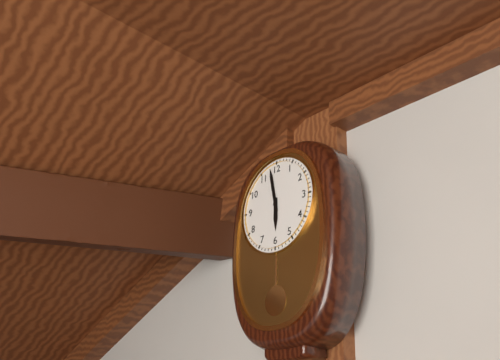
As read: {"hour": 5, "minute": 58}
